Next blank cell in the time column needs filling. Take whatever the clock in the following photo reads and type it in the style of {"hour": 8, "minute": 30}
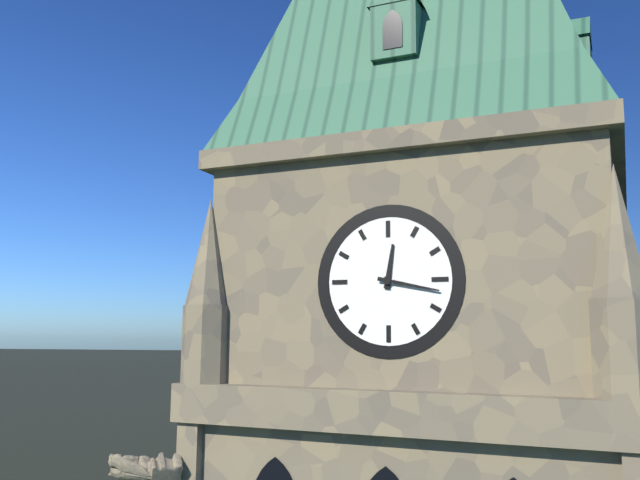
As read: {"hour": 12, "minute": 17}
